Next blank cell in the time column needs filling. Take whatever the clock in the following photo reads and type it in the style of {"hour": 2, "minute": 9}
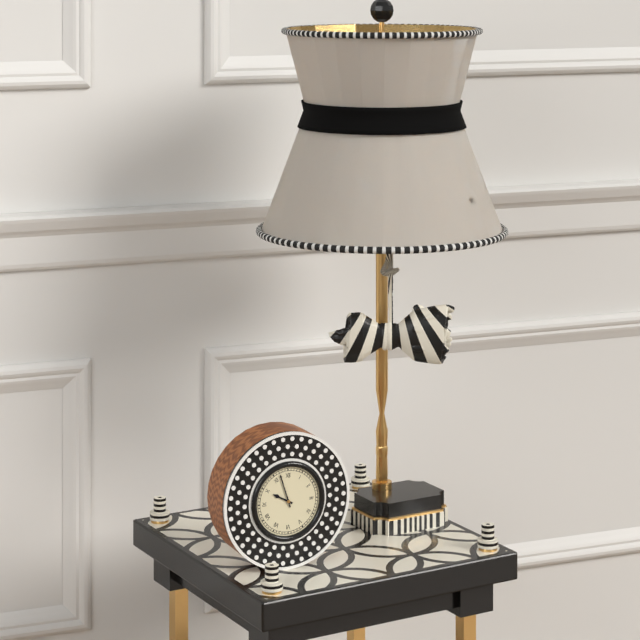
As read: {"hour": 9, "minute": 57}
